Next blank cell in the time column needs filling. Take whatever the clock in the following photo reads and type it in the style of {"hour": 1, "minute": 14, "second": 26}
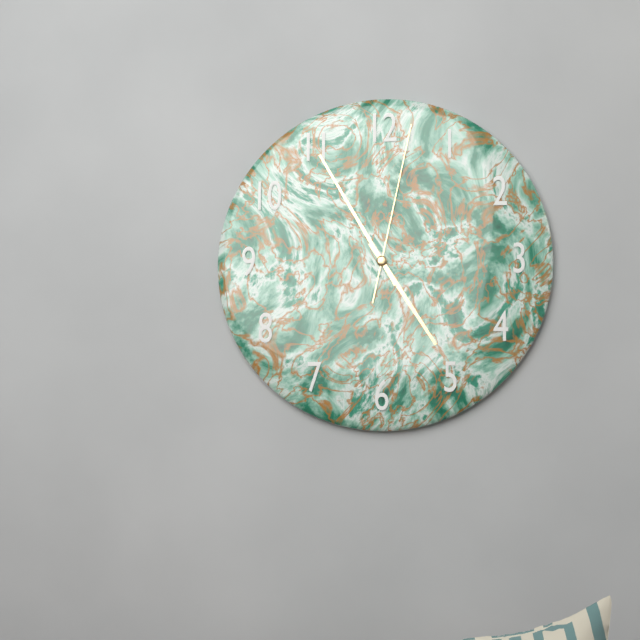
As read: {"hour": 4, "minute": 55, "second": 2}
